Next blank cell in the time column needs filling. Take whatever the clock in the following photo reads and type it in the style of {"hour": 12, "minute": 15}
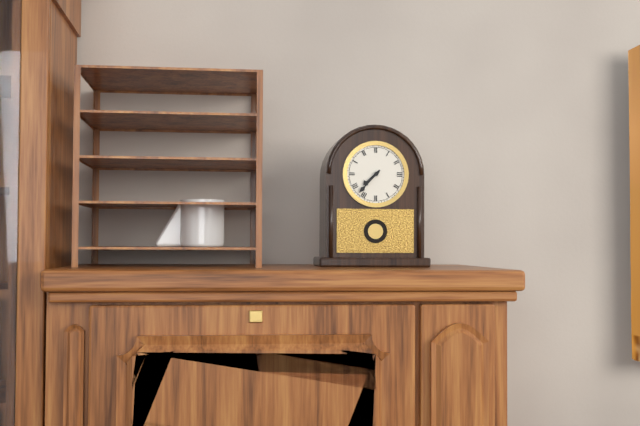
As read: {"hour": 7, "minute": 37}
